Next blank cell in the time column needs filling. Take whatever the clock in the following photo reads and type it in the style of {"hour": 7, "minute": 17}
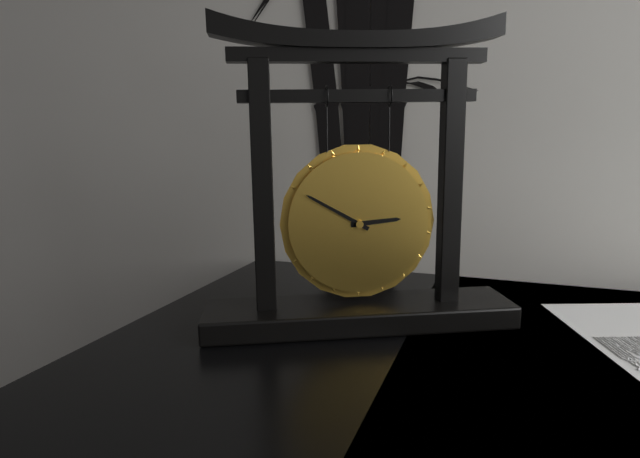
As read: {"hour": 2, "minute": 50}
